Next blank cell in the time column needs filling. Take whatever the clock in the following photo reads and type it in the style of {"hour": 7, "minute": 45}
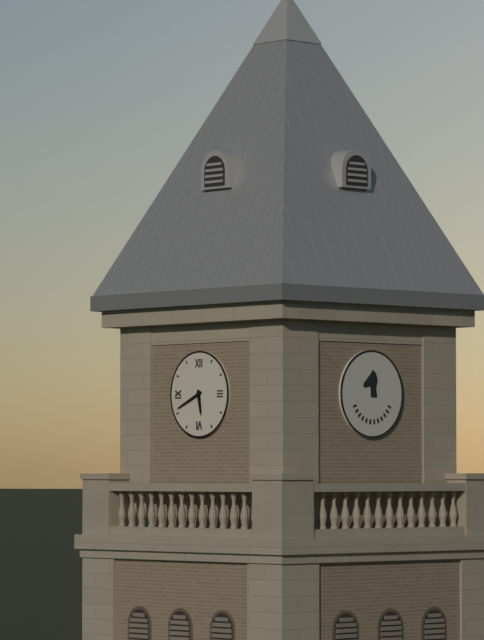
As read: {"hour": 5, "minute": 41}
